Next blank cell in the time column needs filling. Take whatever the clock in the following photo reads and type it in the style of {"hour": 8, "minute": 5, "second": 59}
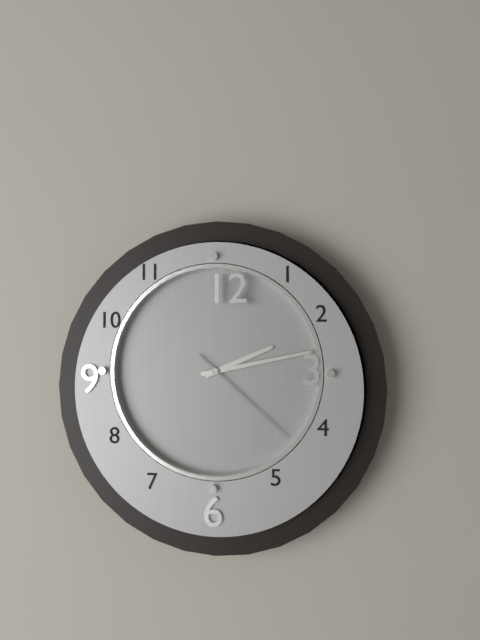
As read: {"hour": 2, "minute": 13, "second": 22}
